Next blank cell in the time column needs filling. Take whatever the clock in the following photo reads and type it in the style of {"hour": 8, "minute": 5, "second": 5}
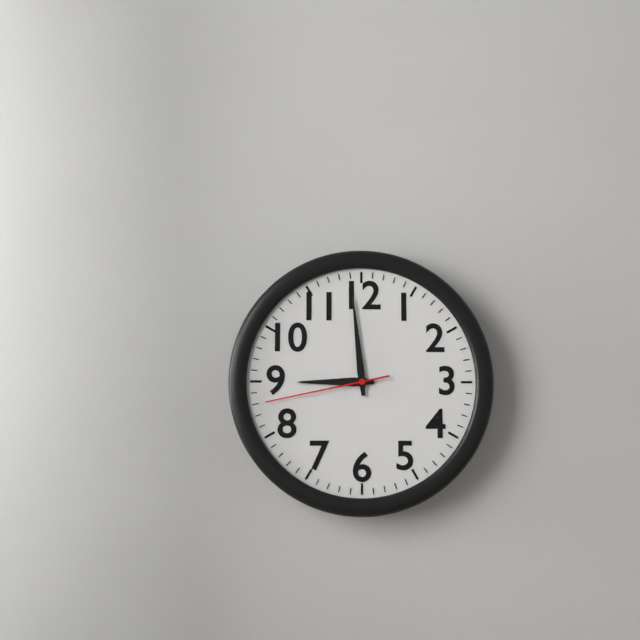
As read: {"hour": 8, "minute": 59, "second": 43}
